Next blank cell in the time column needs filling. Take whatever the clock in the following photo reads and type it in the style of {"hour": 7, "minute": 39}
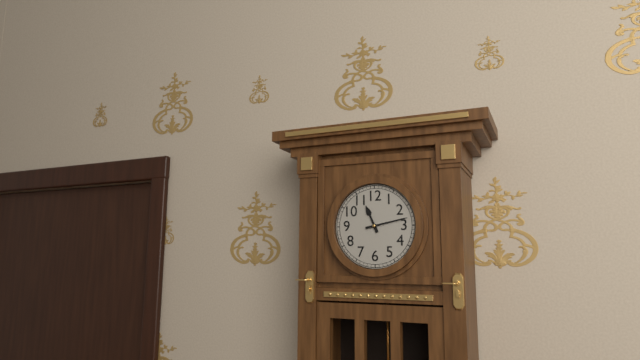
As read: {"hour": 11, "minute": 13}
